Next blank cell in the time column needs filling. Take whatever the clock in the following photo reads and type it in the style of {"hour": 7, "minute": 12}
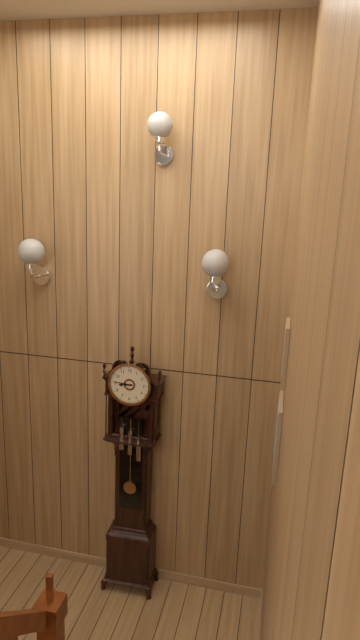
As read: {"hour": 8, "minute": 46}
